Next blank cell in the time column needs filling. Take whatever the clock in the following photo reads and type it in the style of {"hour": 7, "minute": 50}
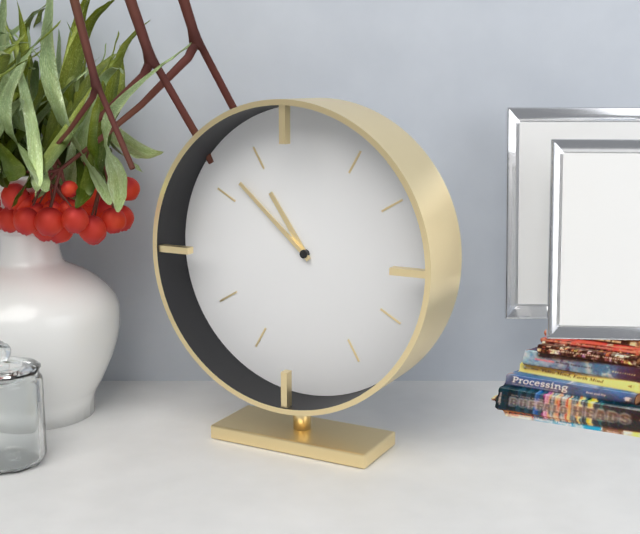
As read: {"hour": 10, "minute": 52}
